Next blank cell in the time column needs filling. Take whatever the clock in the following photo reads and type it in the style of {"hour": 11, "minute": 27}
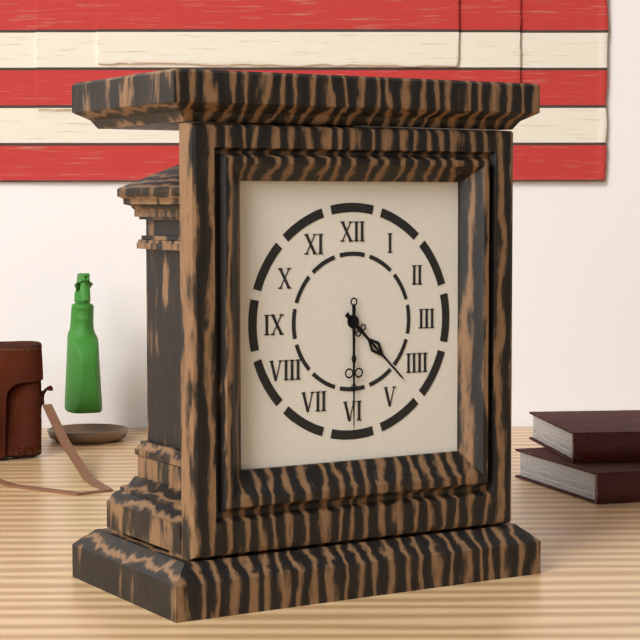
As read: {"hour": 4, "minute": 30}
